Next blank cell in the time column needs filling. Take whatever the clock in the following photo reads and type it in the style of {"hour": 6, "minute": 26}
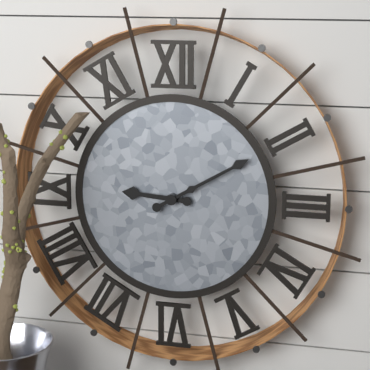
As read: {"hour": 9, "minute": 10}
